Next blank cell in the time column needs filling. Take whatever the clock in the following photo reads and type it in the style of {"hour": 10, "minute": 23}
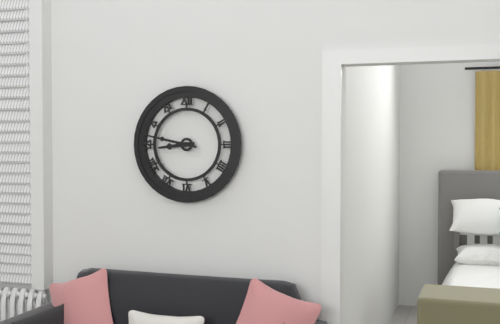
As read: {"hour": 8, "minute": 47}
